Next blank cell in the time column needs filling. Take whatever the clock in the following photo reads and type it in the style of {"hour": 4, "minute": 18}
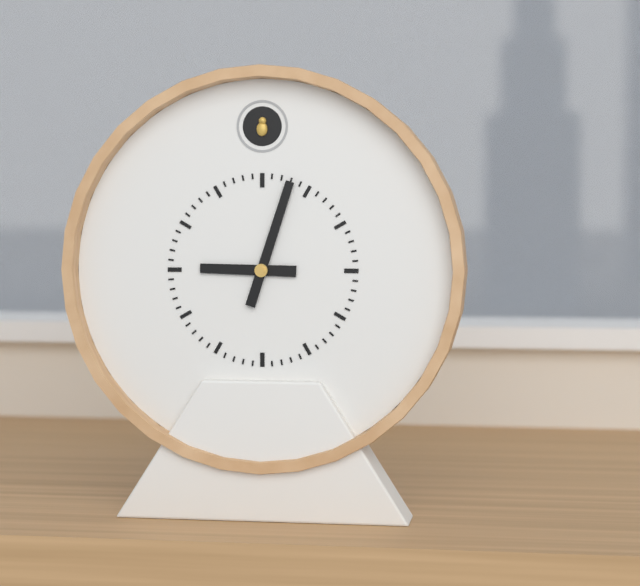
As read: {"hour": 9, "minute": 3}
